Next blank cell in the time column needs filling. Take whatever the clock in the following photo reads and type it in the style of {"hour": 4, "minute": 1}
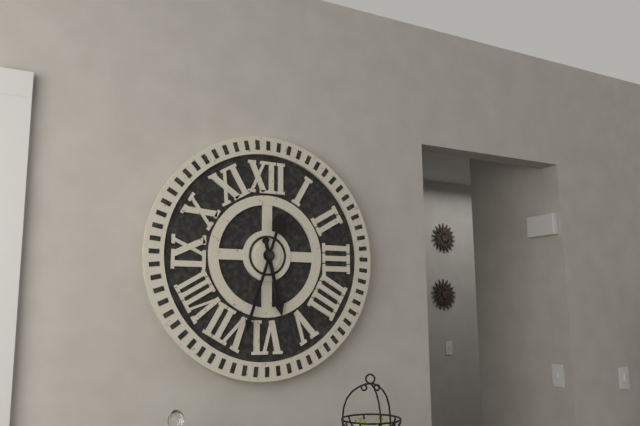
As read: {"hour": 5, "minute": 33}
